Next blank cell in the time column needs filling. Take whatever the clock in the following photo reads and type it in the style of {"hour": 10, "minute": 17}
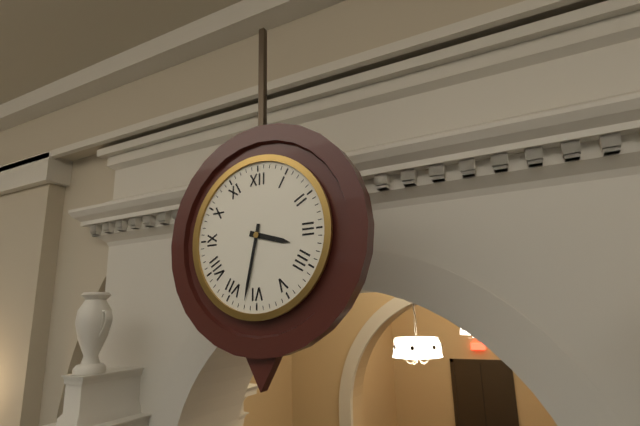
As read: {"hour": 3, "minute": 32}
